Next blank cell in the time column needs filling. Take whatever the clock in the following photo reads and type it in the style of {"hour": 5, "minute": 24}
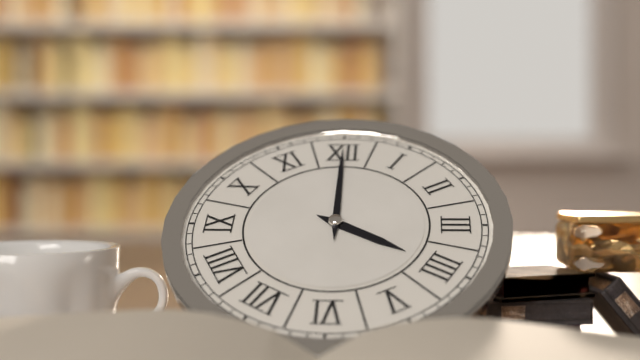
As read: {"hour": 4, "minute": 0}
